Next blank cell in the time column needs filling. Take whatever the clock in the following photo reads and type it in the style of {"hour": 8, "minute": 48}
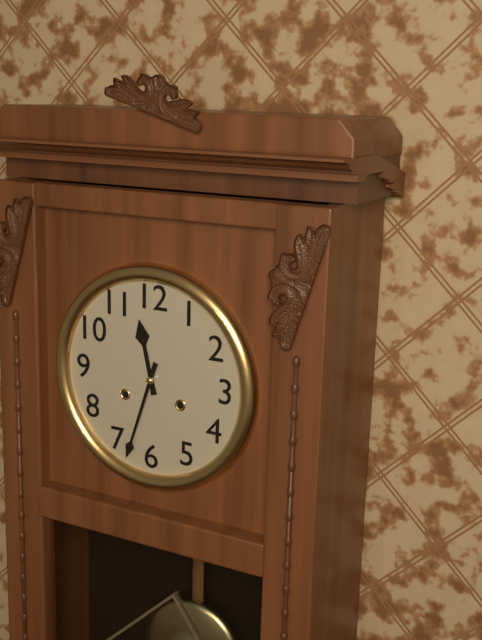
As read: {"hour": 11, "minute": 33}
